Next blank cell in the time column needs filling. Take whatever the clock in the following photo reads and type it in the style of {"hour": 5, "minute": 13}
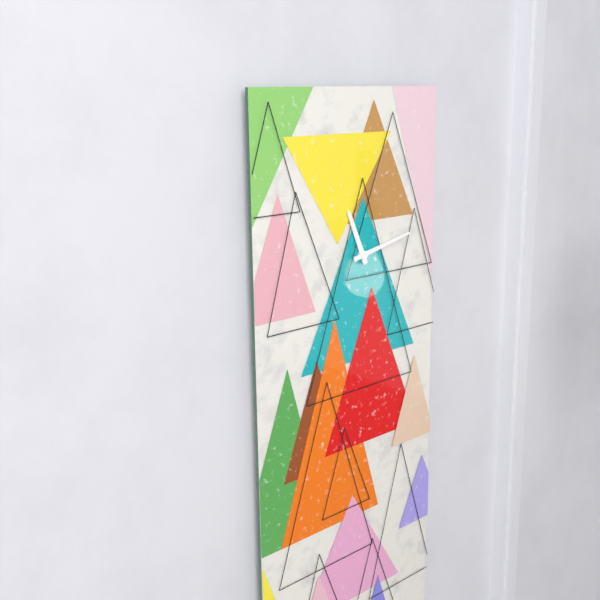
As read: {"hour": 11, "minute": 13}
